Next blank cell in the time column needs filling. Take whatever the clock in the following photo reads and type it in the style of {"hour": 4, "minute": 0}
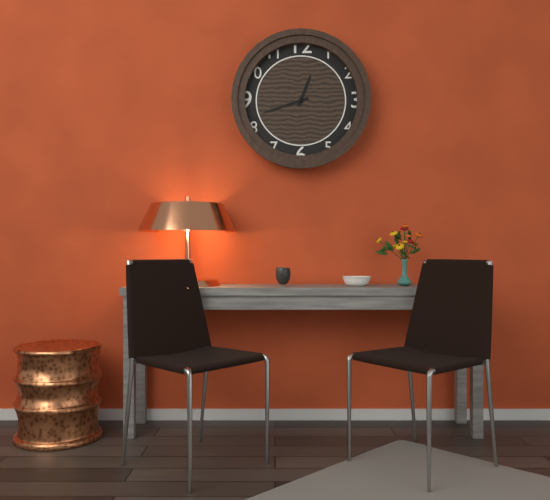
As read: {"hour": 12, "minute": 42}
